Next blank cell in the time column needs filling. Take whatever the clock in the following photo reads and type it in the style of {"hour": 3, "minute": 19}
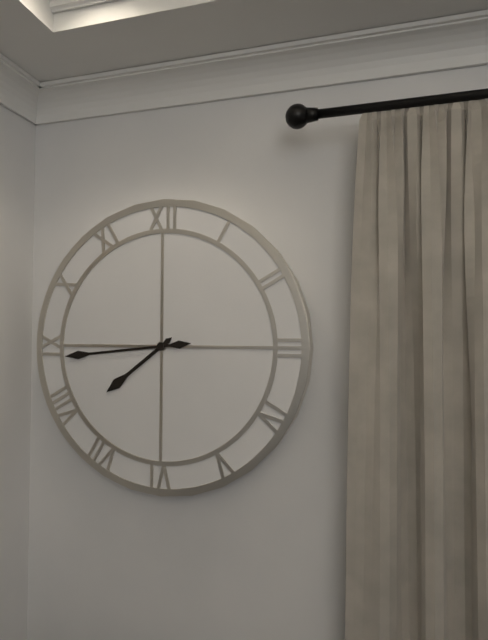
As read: {"hour": 7, "minute": 44}
